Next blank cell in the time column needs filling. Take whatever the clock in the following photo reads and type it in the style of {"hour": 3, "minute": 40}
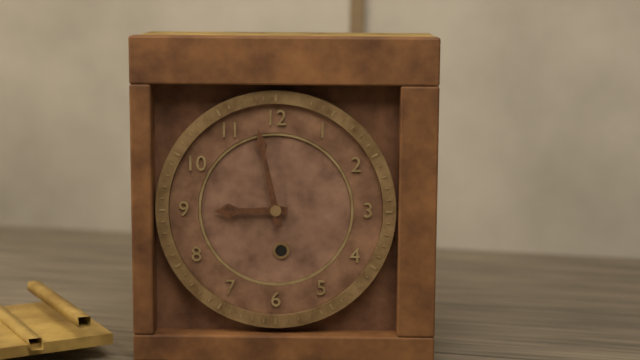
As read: {"hour": 8, "minute": 58}
